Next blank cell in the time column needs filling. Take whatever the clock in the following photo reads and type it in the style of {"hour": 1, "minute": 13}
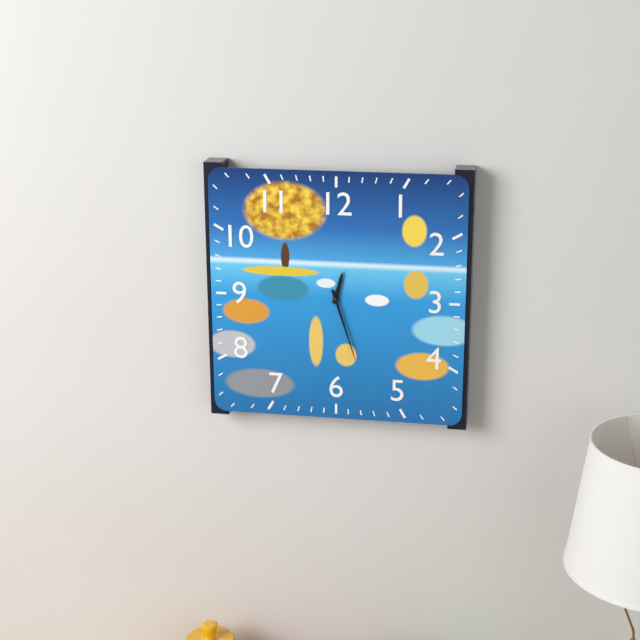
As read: {"hour": 12, "minute": 27}
